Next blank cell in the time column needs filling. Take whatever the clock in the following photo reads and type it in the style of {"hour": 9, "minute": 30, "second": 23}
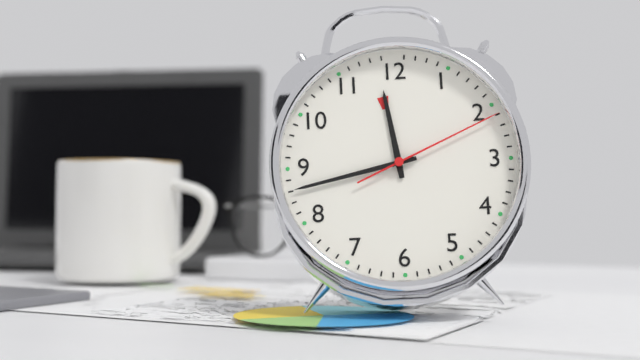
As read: {"hour": 11, "minute": 43, "second": 11}
